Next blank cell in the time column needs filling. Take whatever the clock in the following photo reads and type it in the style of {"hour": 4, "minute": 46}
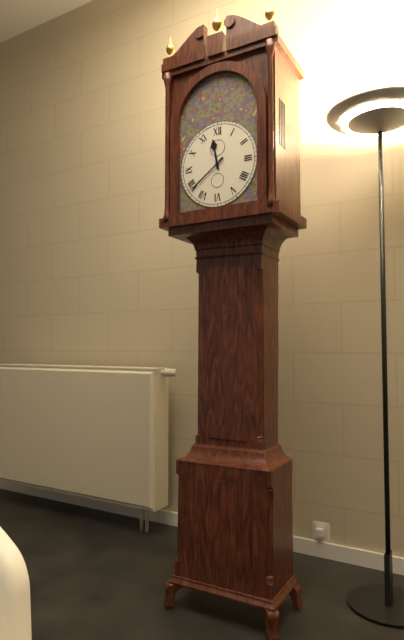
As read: {"hour": 11, "minute": 39}
